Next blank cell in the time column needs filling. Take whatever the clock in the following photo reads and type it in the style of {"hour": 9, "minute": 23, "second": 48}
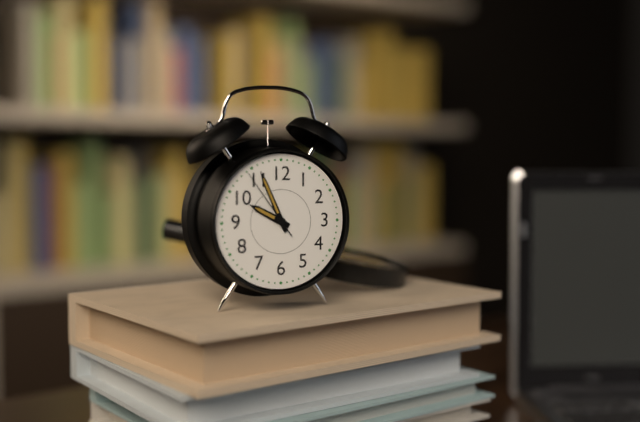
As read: {"hour": 9, "minute": 56, "second": 54}
